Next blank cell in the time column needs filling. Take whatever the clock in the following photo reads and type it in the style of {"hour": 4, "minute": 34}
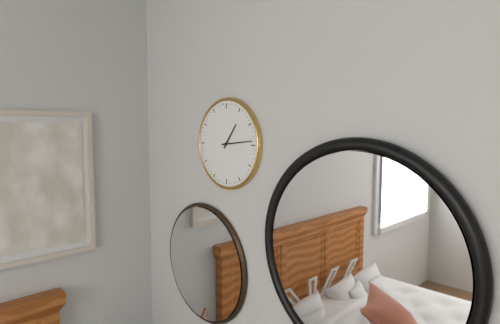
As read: {"hour": 1, "minute": 14}
